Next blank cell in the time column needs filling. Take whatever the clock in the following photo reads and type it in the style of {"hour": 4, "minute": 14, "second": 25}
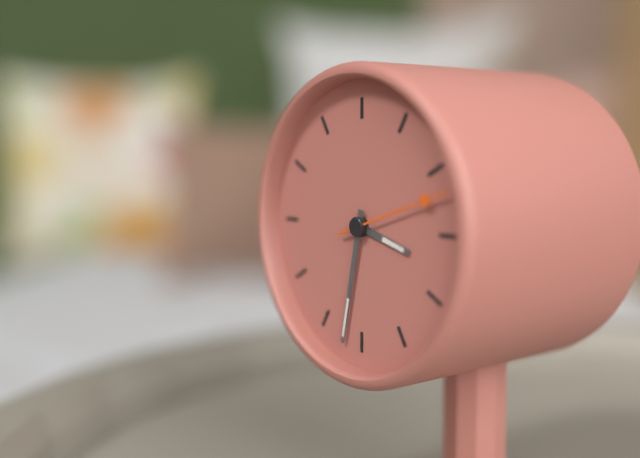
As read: {"hour": 3, "minute": 32, "second": 12}
